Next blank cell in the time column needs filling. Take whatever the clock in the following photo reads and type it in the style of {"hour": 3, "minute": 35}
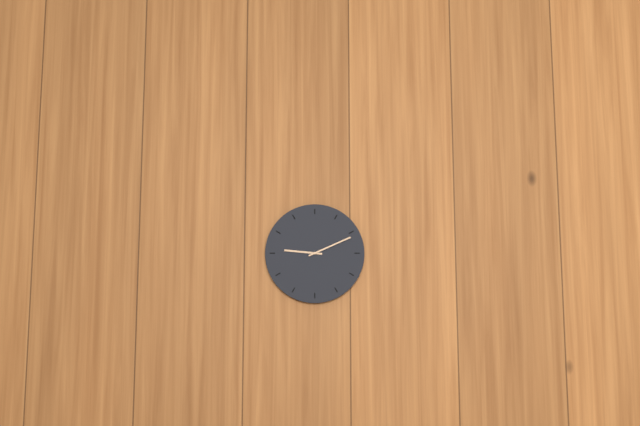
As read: {"hour": 9, "minute": 11}
